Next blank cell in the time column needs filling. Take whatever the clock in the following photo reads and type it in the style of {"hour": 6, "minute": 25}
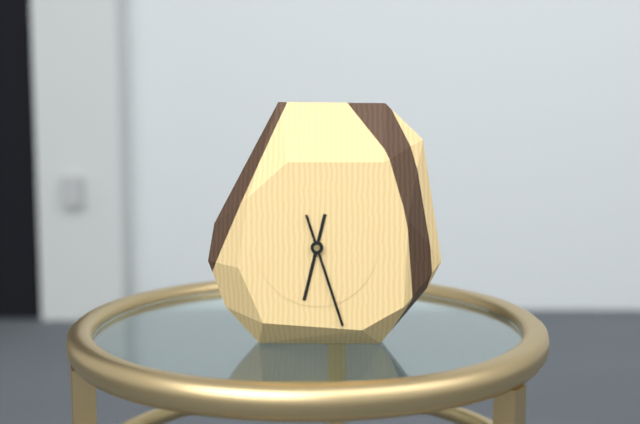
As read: {"hour": 6, "minute": 27}
